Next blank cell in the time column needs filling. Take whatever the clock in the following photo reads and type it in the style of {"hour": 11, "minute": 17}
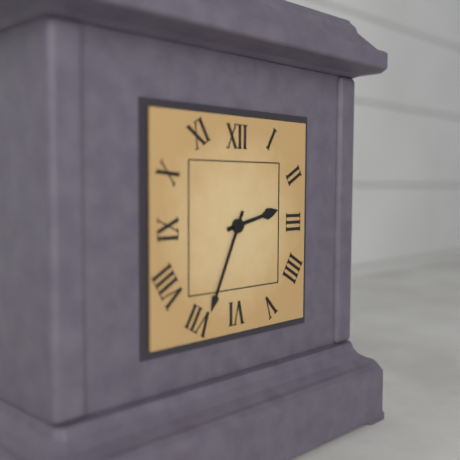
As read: {"hour": 2, "minute": 34}
